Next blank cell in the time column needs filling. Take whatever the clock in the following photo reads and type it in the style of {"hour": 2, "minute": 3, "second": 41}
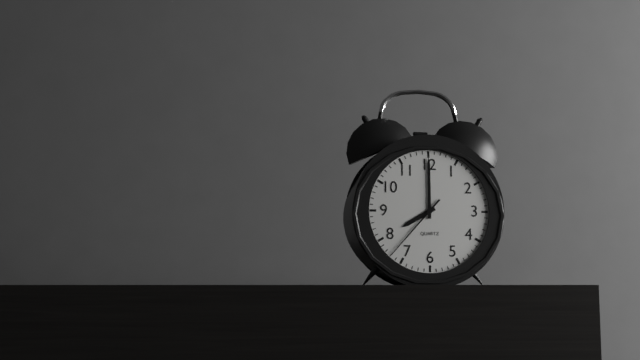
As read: {"hour": 8, "minute": 0, "second": 37}
